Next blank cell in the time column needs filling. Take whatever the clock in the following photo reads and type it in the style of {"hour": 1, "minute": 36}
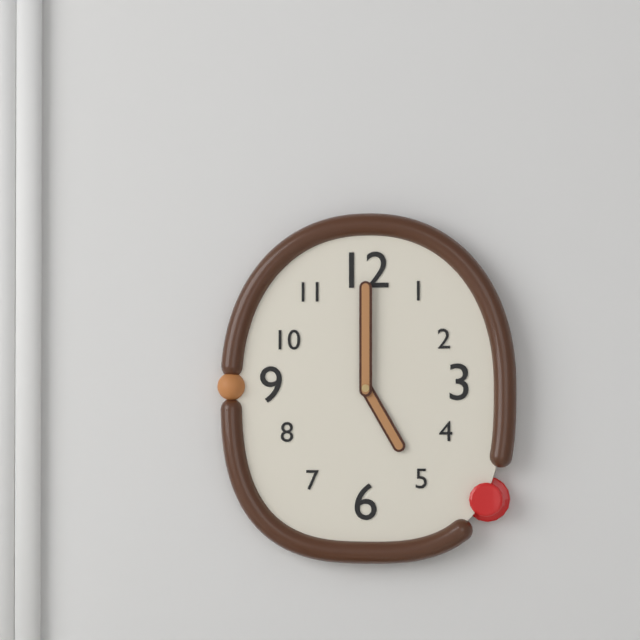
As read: {"hour": 5, "minute": 0}
